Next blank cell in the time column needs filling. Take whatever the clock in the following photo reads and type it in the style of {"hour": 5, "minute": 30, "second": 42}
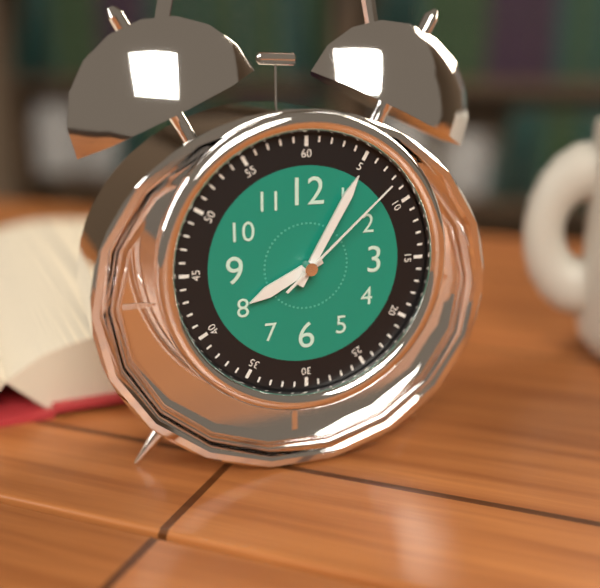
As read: {"hour": 8, "minute": 5, "second": 8}
